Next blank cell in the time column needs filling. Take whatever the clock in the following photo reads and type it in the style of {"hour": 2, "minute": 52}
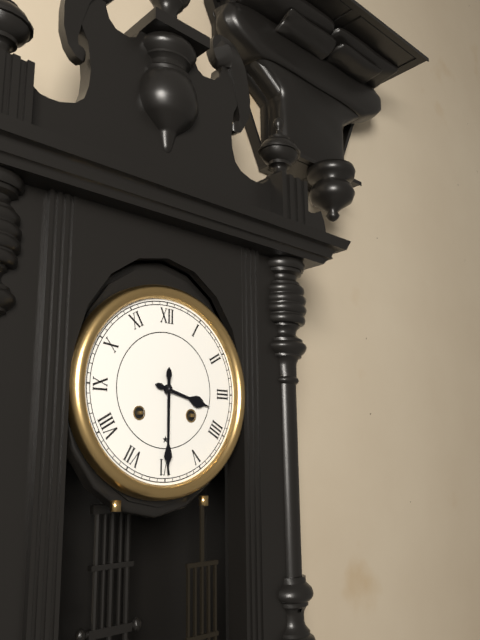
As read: {"hour": 3, "minute": 30}
